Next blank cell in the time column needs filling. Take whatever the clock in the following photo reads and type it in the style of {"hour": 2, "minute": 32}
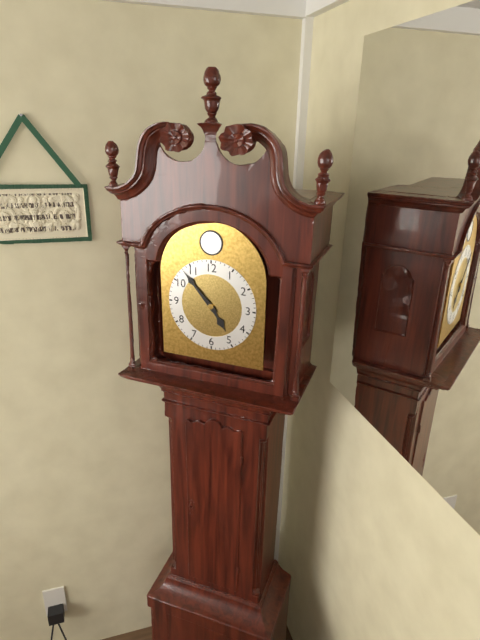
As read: {"hour": 4, "minute": 53}
